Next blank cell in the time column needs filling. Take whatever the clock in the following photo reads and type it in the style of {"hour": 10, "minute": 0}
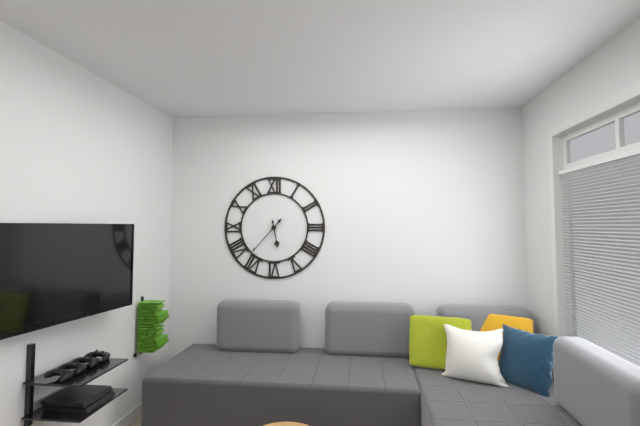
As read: {"hour": 5, "minute": 37}
